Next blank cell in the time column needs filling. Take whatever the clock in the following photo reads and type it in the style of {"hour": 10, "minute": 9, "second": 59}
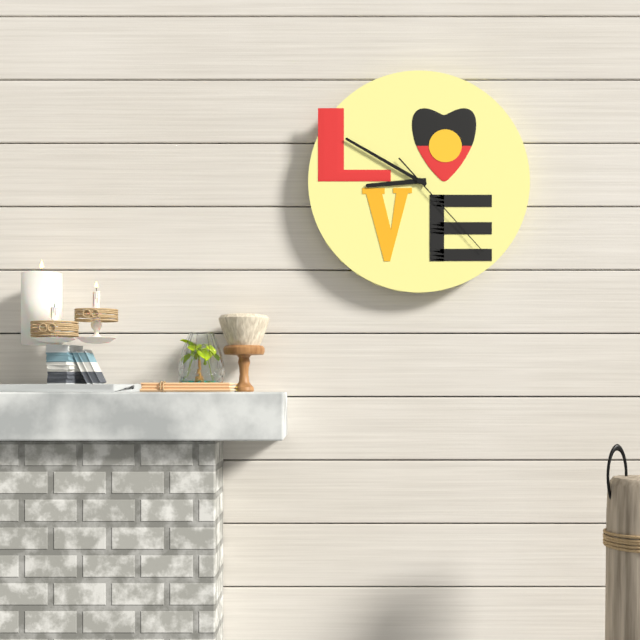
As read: {"hour": 8, "minute": 50, "second": 23}
